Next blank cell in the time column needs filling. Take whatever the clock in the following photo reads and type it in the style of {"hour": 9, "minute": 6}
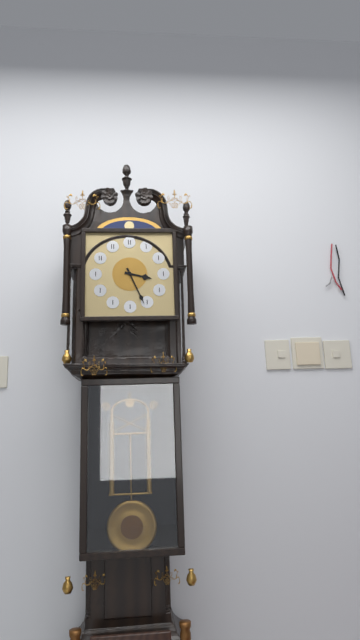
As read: {"hour": 3, "minute": 26}
